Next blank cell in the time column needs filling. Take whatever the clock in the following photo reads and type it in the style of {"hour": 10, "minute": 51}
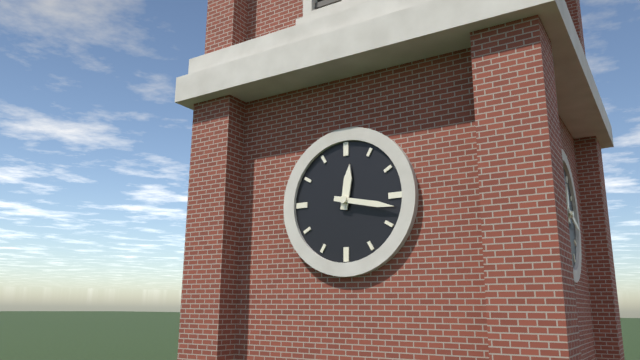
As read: {"hour": 12, "minute": 17}
